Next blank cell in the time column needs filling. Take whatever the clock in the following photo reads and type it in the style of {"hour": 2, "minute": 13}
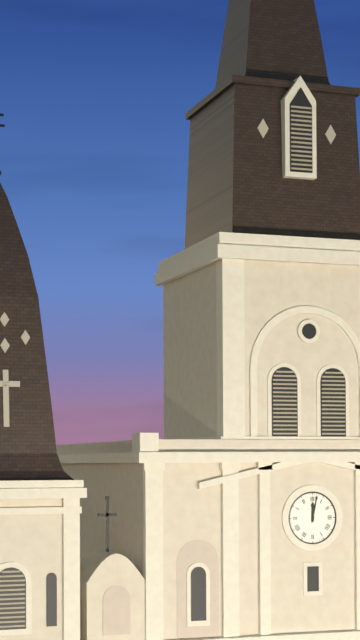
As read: {"hour": 12, "minute": 2}
